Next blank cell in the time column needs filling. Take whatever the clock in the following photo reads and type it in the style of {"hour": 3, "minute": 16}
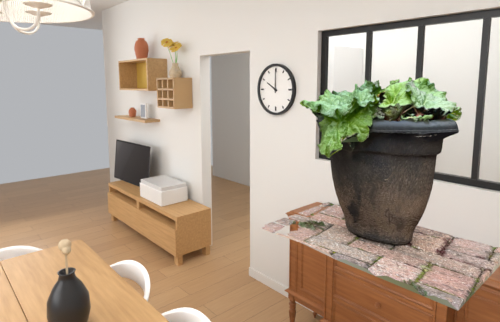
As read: {"hour": 10, "minute": 0}
